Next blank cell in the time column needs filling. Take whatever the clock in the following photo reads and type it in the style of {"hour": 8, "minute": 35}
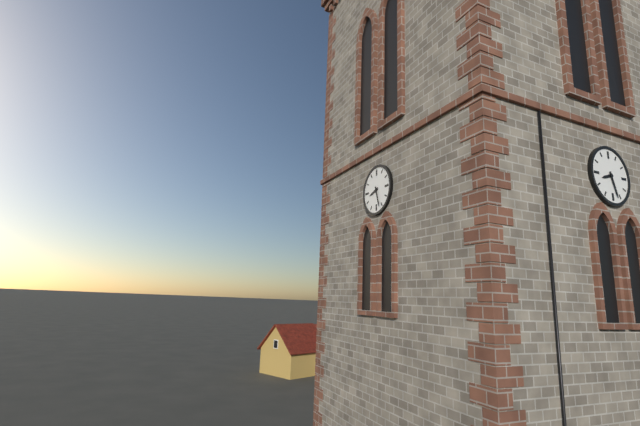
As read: {"hour": 8, "minute": 27}
